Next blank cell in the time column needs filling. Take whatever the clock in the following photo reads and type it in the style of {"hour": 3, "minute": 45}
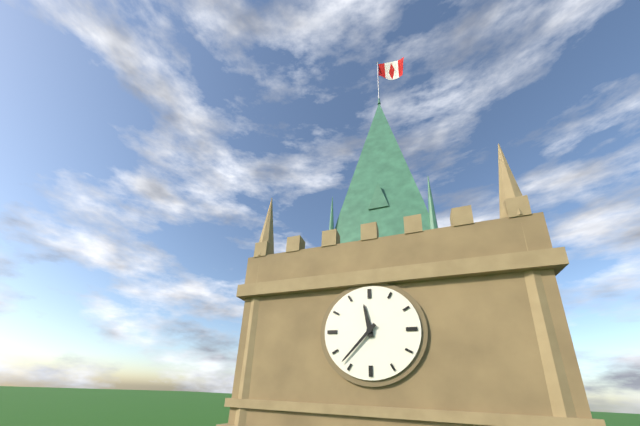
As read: {"hour": 11, "minute": 37}
